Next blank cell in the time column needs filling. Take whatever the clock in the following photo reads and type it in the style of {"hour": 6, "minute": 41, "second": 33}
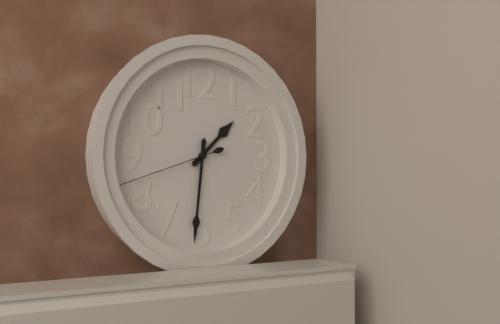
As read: {"hour": 1, "minute": 31, "second": 42}
